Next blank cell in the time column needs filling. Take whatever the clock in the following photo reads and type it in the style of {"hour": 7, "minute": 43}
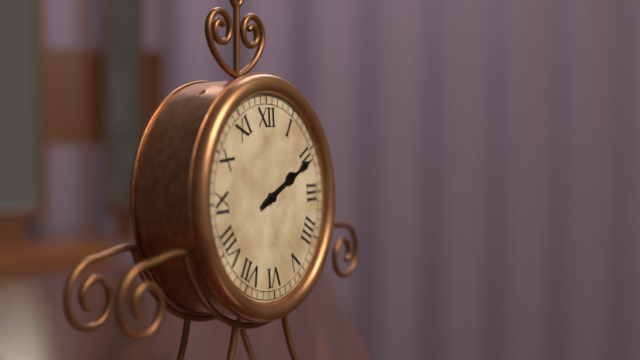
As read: {"hour": 2, "minute": 11}
